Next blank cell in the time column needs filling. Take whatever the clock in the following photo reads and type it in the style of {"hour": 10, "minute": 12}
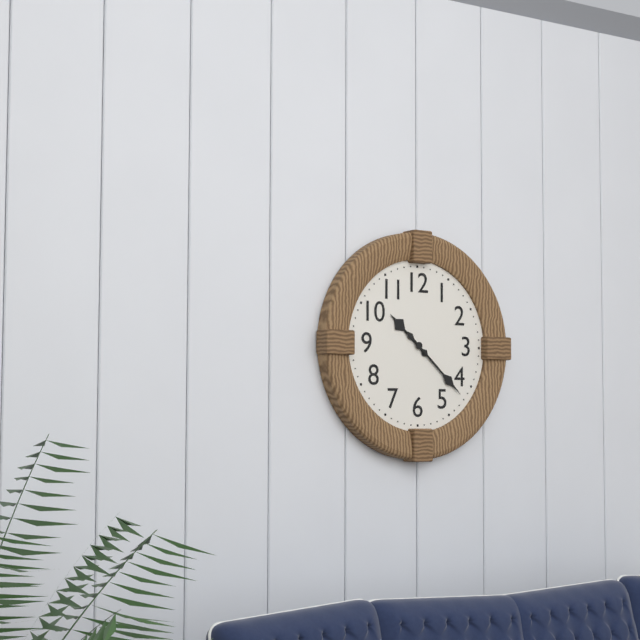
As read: {"hour": 10, "minute": 22}
